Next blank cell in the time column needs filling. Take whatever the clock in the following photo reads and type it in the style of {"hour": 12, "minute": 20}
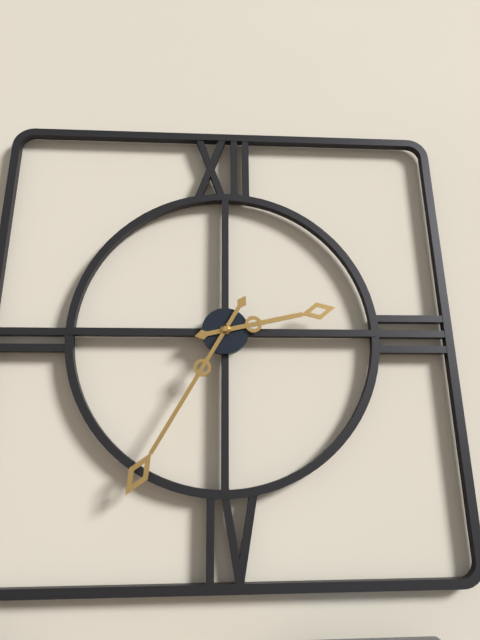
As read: {"hour": 2, "minute": 35}
